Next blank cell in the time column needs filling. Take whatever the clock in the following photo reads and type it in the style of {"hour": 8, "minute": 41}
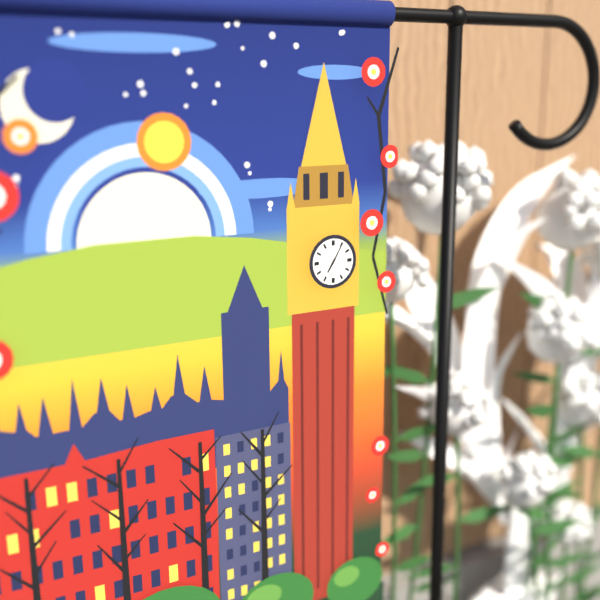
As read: {"hour": 7, "minute": 5}
